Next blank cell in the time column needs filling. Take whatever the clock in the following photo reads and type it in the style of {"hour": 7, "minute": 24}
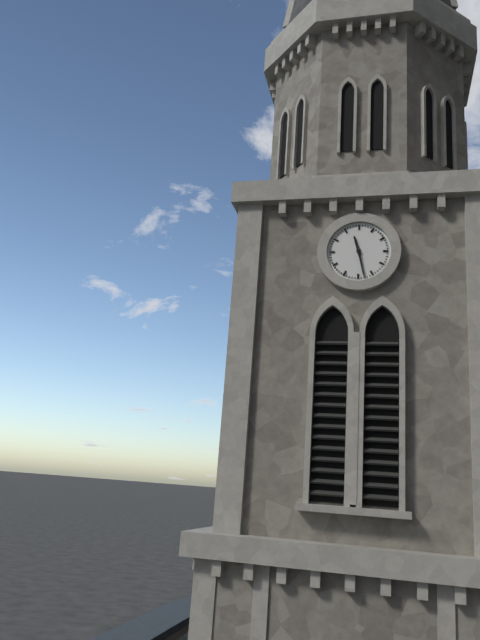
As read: {"hour": 11, "minute": 28}
